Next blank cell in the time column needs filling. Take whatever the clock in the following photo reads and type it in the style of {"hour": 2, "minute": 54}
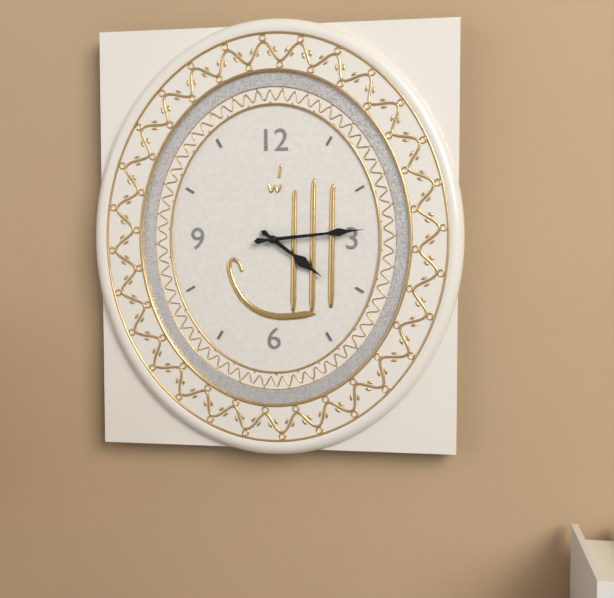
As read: {"hour": 4, "minute": 14}
